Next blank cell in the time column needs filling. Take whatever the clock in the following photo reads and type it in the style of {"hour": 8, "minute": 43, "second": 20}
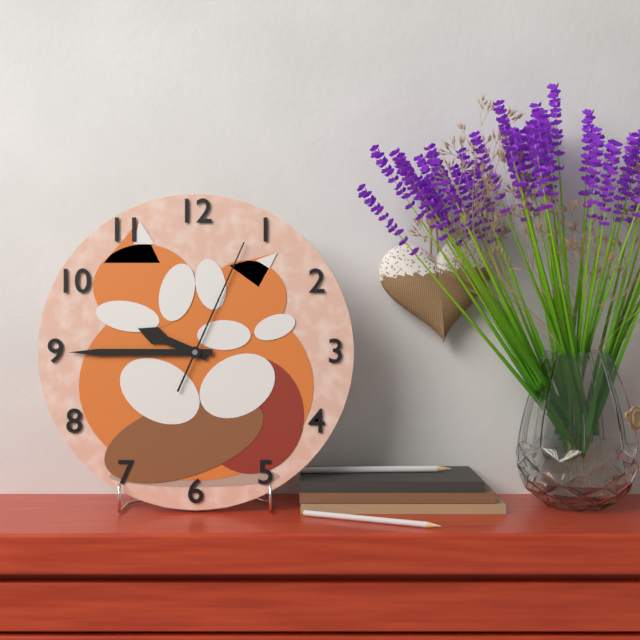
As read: {"hour": 9, "minute": 45, "second": 4}
